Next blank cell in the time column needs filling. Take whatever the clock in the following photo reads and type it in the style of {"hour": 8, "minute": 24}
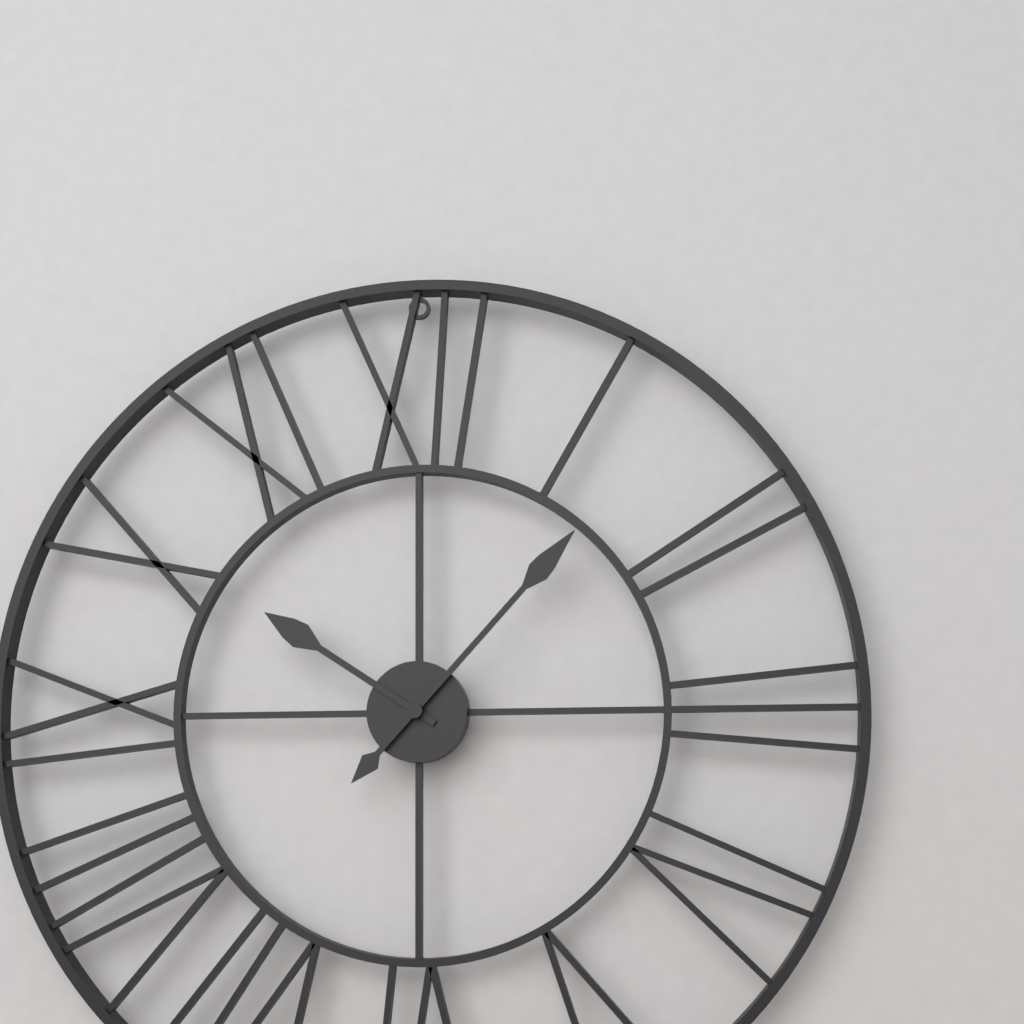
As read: {"hour": 10, "minute": 7}
